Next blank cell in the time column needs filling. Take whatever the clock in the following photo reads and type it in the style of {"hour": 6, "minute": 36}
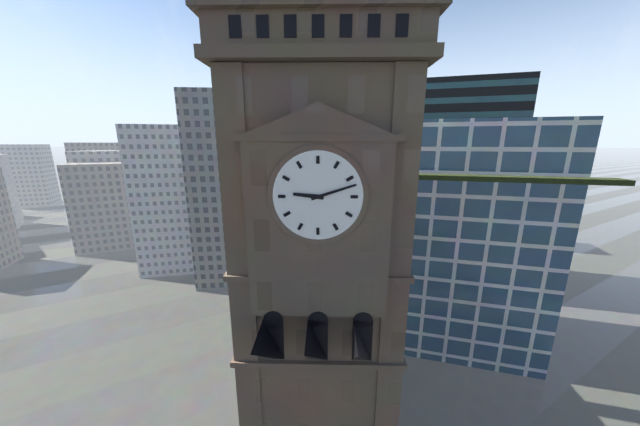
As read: {"hour": 9, "minute": 12}
